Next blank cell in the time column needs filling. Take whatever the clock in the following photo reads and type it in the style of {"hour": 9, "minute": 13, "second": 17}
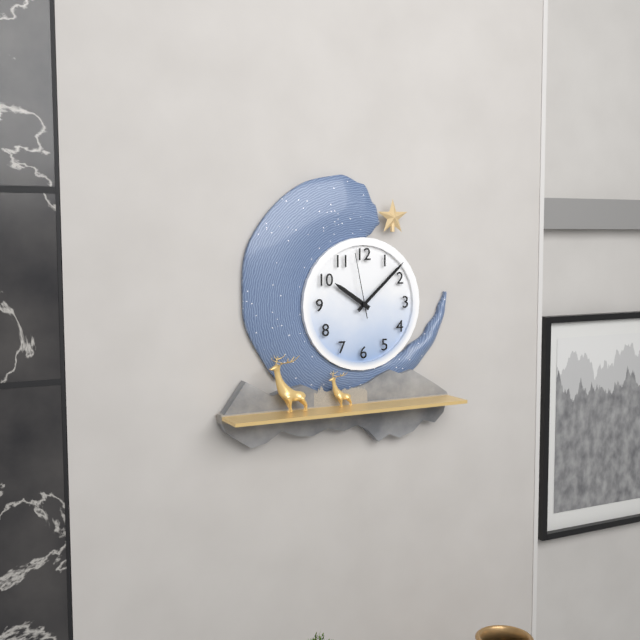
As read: {"hour": 10, "minute": 8, "second": 58}
